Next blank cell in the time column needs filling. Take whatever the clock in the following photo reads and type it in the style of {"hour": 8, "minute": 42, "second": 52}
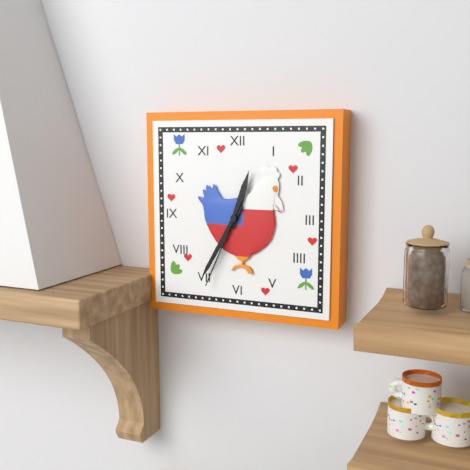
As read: {"hour": 12, "minute": 35, "second": 34}
